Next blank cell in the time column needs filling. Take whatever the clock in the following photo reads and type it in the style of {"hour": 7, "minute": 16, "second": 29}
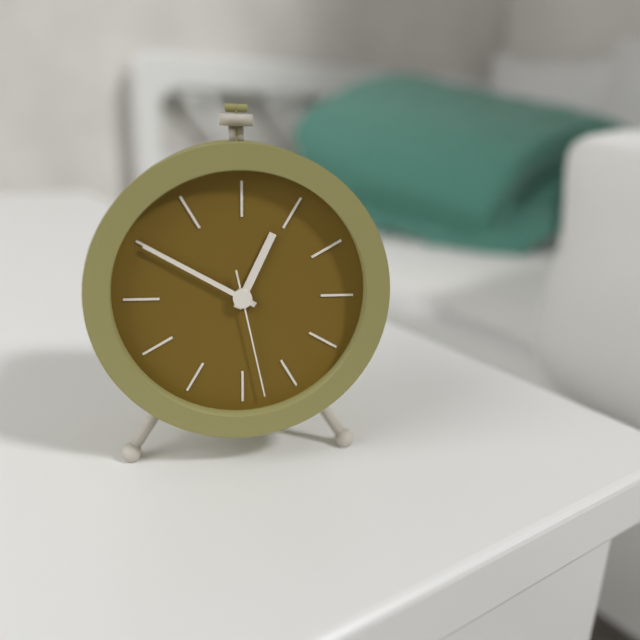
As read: {"hour": 12, "minute": 50, "second": 28}
